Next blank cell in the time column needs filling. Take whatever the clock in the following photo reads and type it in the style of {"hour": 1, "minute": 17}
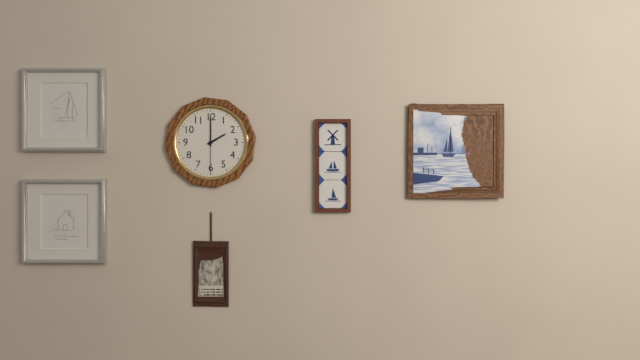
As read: {"hour": 2, "minute": 0}
